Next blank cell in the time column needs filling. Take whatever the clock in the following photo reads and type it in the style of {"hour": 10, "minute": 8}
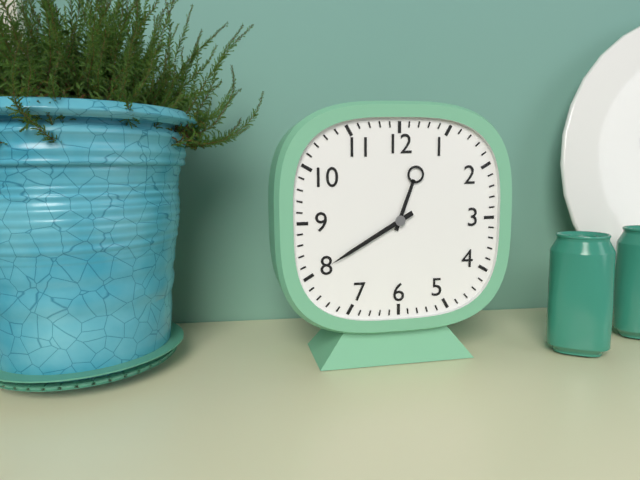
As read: {"hour": 12, "minute": 40}
